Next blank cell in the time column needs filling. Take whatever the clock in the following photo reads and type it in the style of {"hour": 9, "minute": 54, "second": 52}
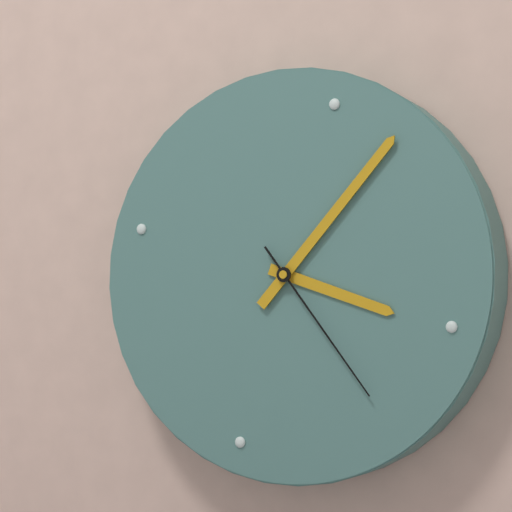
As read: {"hour": 3, "minute": 4, "second": 21}
